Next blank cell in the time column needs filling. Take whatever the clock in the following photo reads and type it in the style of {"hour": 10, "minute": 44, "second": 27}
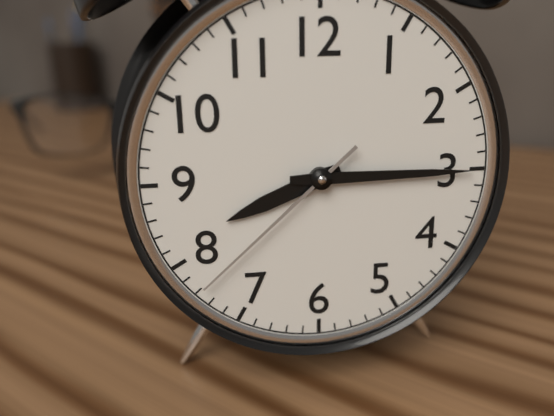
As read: {"hour": 8, "minute": 15, "second": 38}
